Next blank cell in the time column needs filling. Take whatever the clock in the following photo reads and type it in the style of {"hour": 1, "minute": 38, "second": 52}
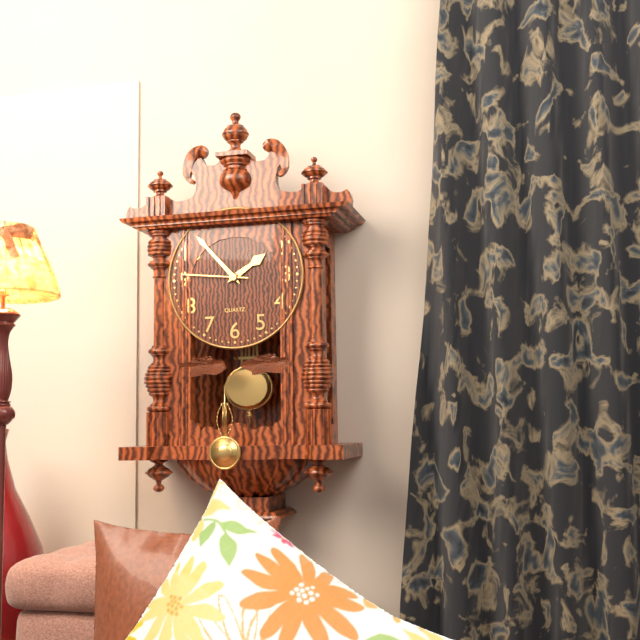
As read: {"hour": 1, "minute": 53, "second": 46}
